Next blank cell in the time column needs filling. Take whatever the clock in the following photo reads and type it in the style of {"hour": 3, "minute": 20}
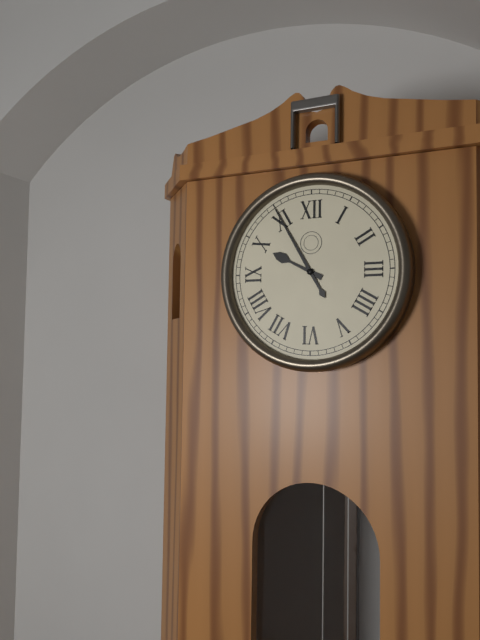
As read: {"hour": 9, "minute": 55}
